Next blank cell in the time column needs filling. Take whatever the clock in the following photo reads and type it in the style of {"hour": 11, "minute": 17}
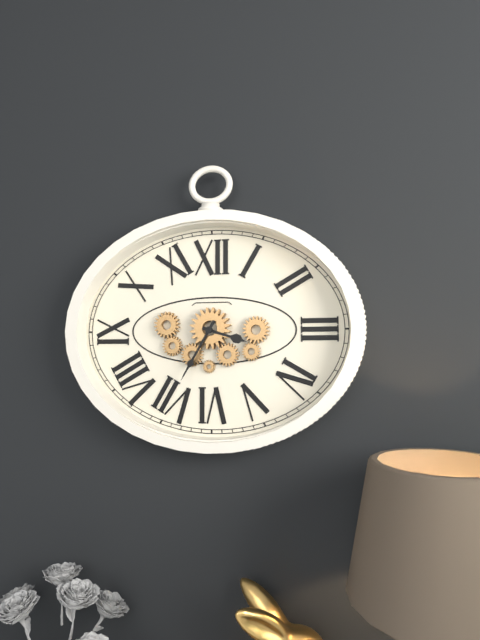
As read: {"hour": 3, "minute": 35}
